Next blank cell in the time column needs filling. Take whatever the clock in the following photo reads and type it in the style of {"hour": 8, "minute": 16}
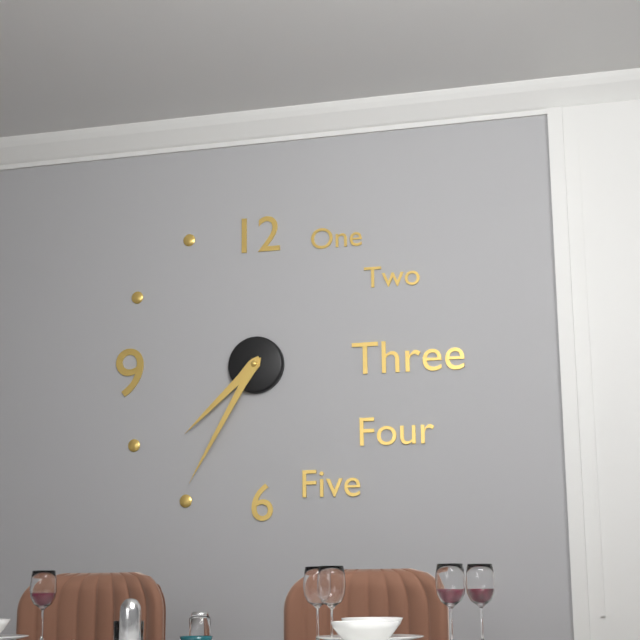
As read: {"hour": 7, "minute": 35}
